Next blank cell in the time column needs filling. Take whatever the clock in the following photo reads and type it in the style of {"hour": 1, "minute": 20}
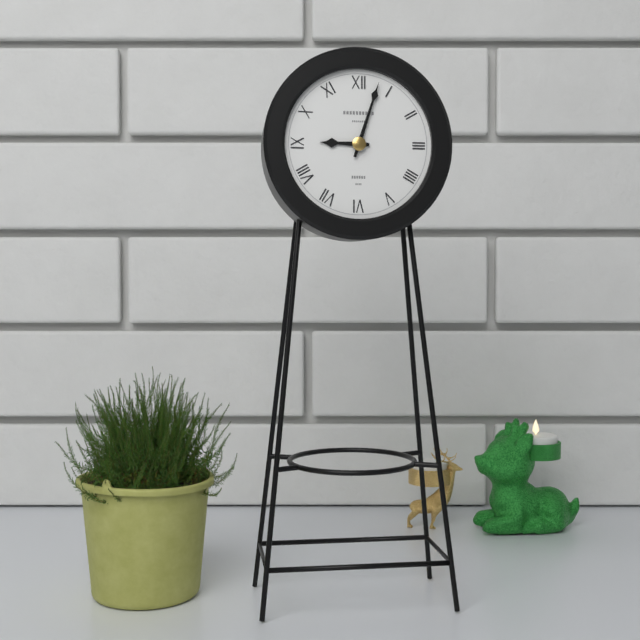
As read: {"hour": 9, "minute": 3}
